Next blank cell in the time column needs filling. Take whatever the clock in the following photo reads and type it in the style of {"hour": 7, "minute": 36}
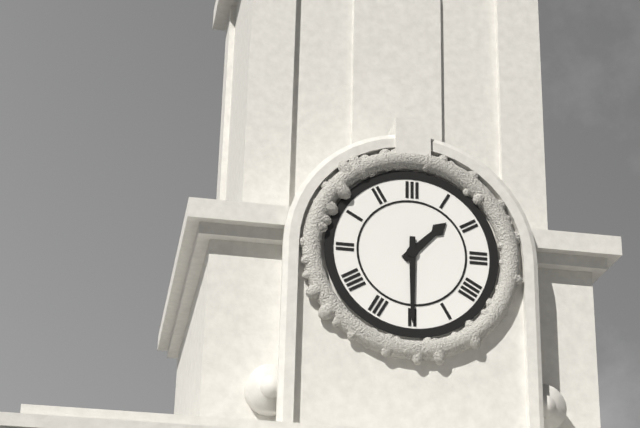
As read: {"hour": 1, "minute": 30}
